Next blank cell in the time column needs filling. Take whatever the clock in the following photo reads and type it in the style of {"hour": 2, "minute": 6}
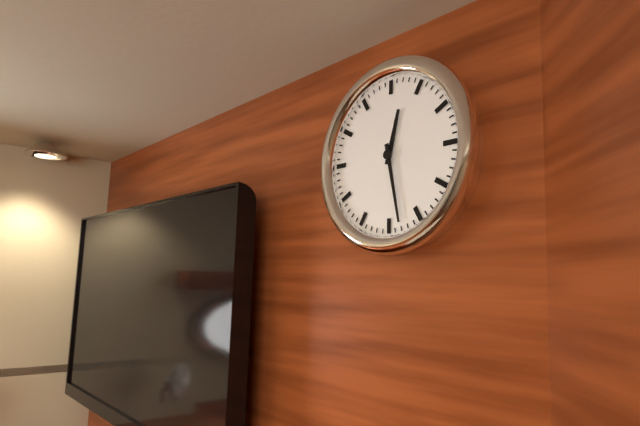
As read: {"hour": 12, "minute": 28}
